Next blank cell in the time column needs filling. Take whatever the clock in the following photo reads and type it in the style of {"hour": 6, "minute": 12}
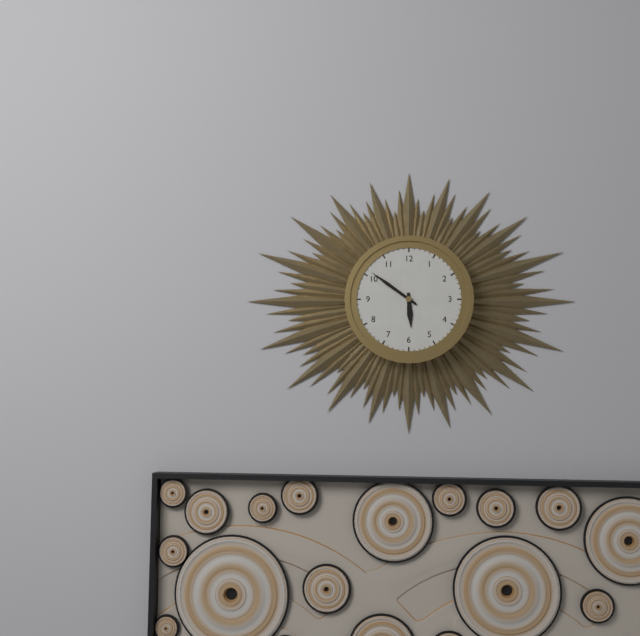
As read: {"hour": 5, "minute": 51}
